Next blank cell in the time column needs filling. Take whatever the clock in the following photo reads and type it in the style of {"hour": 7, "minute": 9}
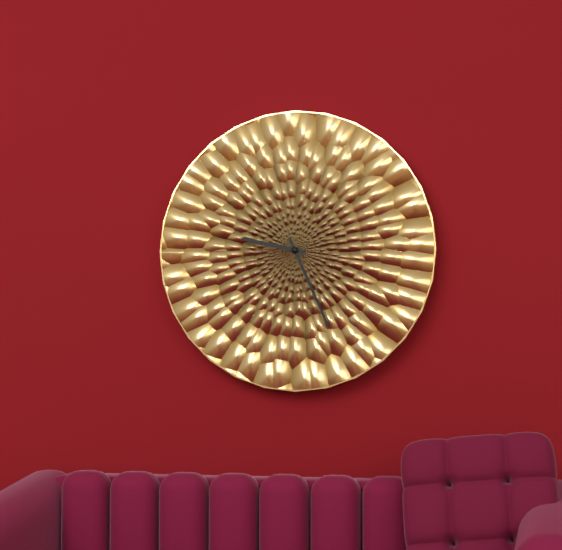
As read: {"hour": 9, "minute": 26}
